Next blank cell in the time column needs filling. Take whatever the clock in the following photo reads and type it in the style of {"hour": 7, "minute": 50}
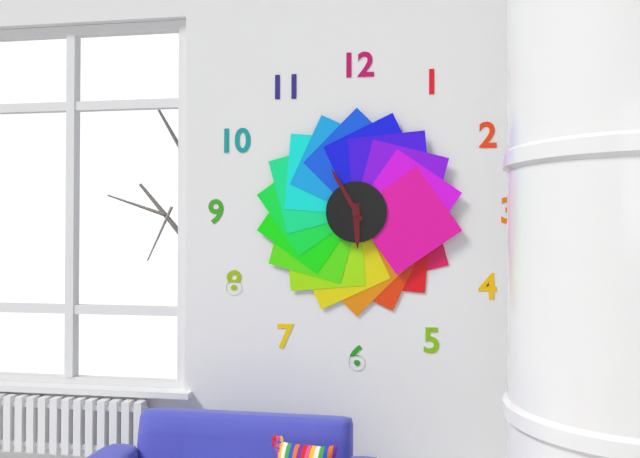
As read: {"hour": 5, "minute": 55}
